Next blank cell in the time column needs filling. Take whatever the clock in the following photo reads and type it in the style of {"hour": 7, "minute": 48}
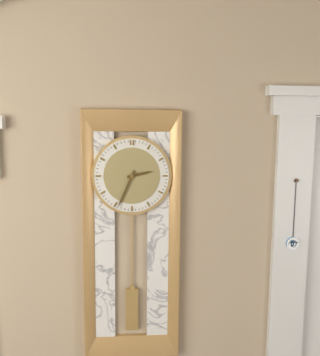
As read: {"hour": 2, "minute": 34}
